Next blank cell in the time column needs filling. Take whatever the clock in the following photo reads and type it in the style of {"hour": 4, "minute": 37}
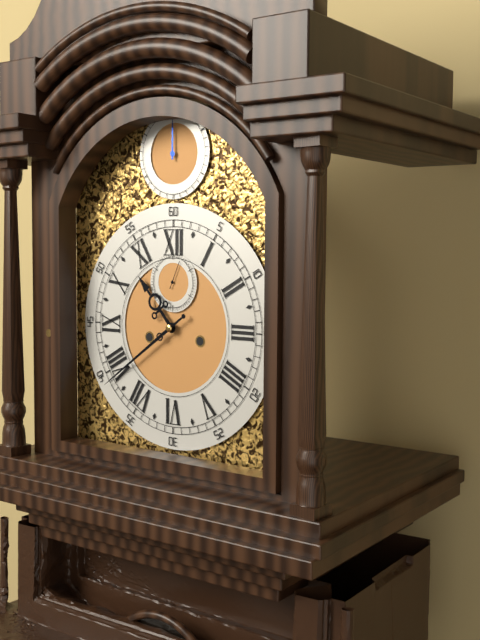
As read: {"hour": 10, "minute": 39}
